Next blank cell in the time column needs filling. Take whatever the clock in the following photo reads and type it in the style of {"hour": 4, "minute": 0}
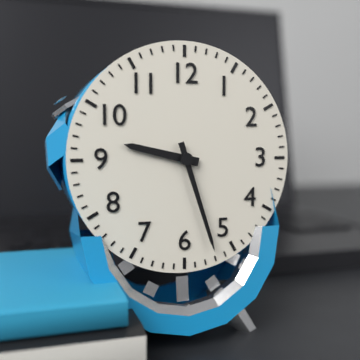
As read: {"hour": 9, "minute": 27}
